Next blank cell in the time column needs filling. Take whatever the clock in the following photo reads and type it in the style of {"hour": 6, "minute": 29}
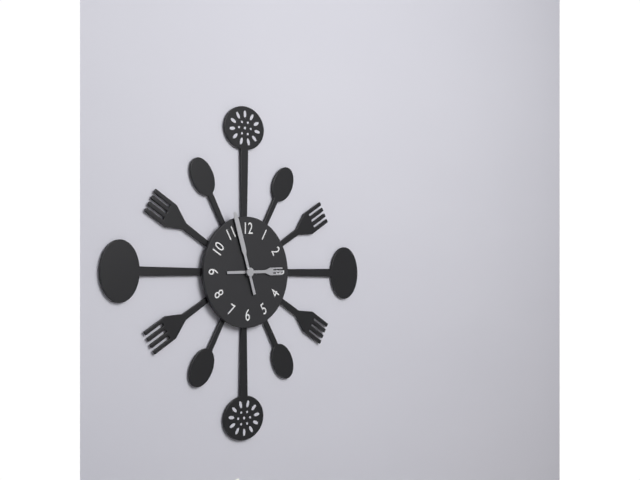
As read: {"hour": 2, "minute": 57}
